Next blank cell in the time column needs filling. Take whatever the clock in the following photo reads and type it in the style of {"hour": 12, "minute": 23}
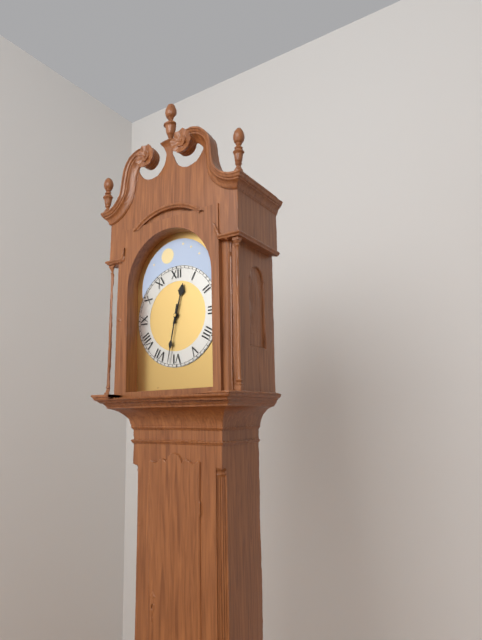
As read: {"hour": 12, "minute": 32}
